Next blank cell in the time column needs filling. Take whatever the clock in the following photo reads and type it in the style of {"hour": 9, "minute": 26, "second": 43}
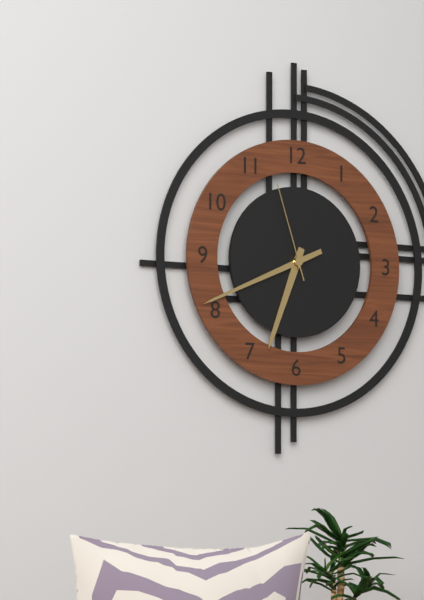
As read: {"hour": 6, "minute": 41, "second": 57}
